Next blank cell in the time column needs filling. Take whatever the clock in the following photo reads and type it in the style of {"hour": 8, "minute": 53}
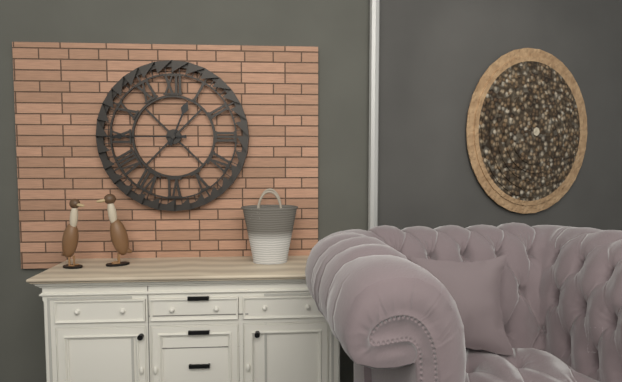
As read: {"hour": 12, "minute": 45}
